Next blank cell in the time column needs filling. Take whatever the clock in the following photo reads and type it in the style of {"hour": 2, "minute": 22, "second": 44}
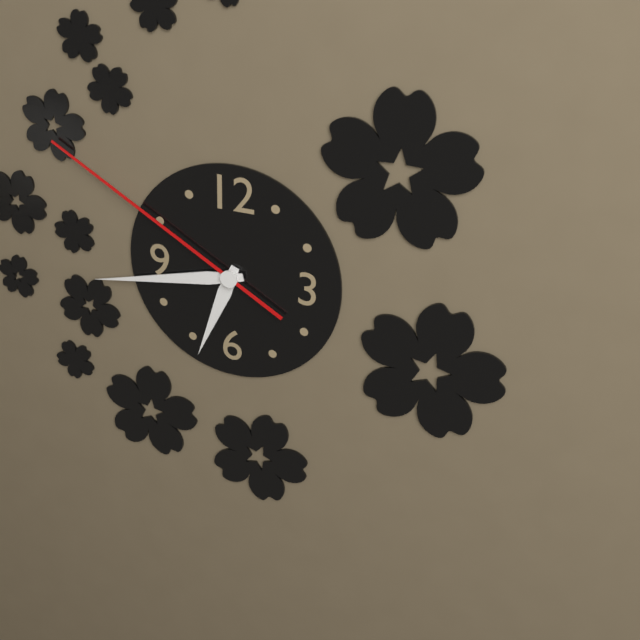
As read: {"hour": 6, "minute": 43, "second": 50}
